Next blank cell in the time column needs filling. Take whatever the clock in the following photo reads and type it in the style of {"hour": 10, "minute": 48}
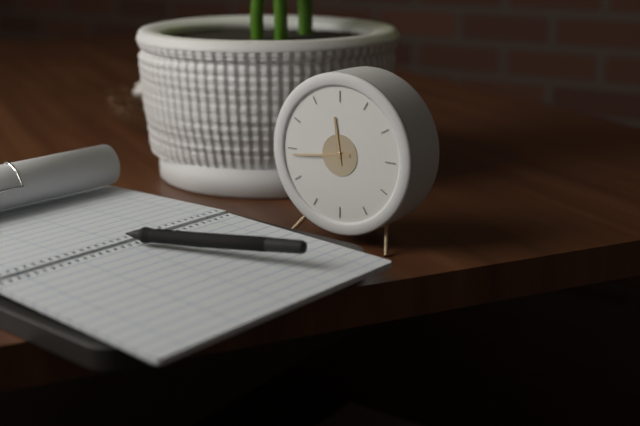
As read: {"hour": 11, "minute": 44}
